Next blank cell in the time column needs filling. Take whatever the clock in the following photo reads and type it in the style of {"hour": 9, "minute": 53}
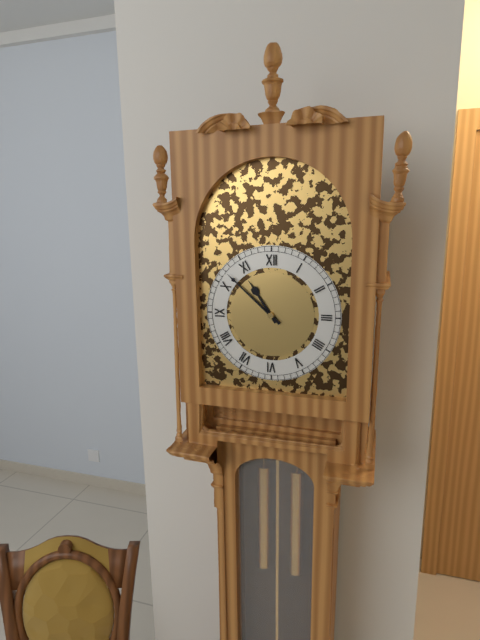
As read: {"hour": 10, "minute": 52}
